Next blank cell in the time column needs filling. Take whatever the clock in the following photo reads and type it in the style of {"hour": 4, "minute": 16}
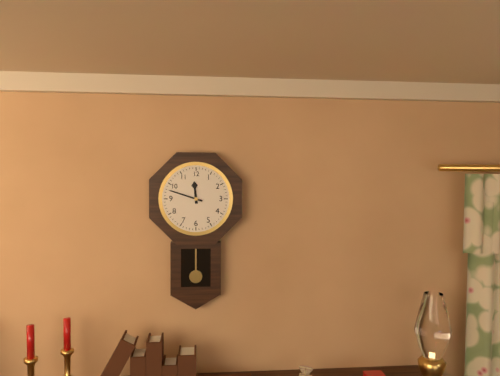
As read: {"hour": 11, "minute": 48}
